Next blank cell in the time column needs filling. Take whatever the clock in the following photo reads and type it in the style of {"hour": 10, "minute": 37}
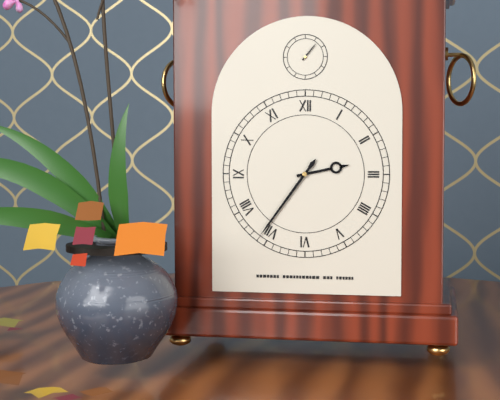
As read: {"hour": 2, "minute": 36}
